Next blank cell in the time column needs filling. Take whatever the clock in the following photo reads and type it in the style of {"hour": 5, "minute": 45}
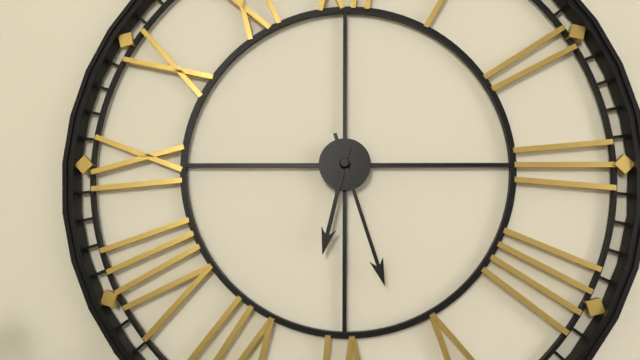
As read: {"hour": 6, "minute": 27}
